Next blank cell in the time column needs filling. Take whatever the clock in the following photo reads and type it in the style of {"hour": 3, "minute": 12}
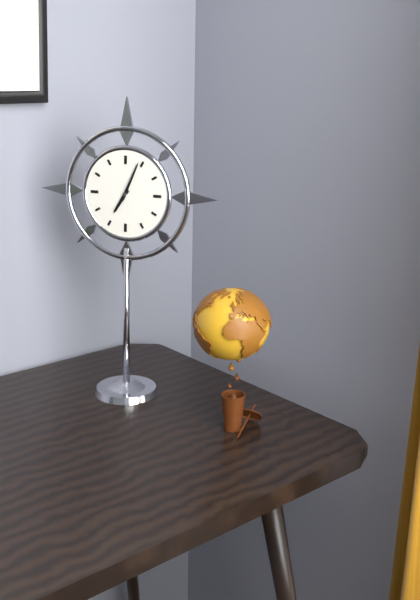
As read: {"hour": 7, "minute": 4}
